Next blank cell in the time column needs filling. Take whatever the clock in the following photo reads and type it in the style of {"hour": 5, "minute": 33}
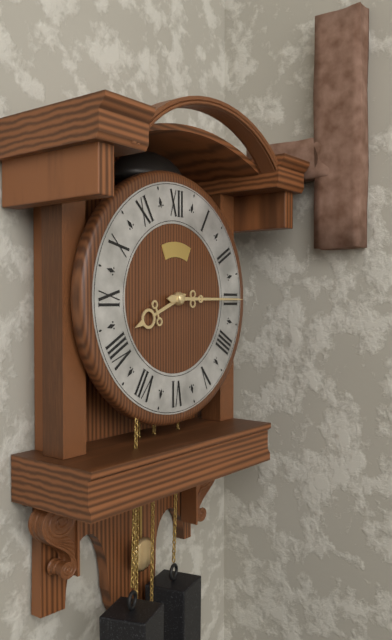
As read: {"hour": 8, "minute": 15}
